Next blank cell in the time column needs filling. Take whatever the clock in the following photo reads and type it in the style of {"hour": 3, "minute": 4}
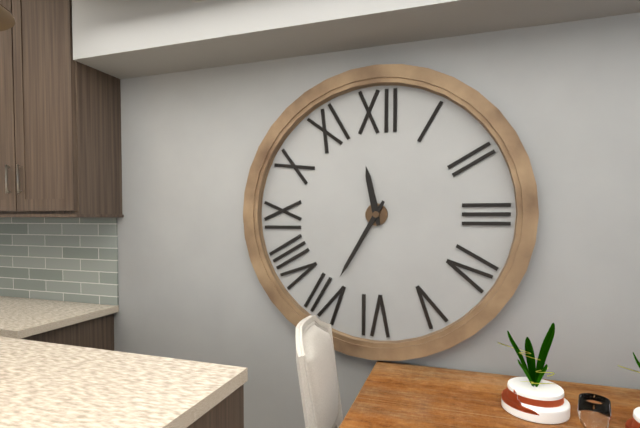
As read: {"hour": 11, "minute": 35}
